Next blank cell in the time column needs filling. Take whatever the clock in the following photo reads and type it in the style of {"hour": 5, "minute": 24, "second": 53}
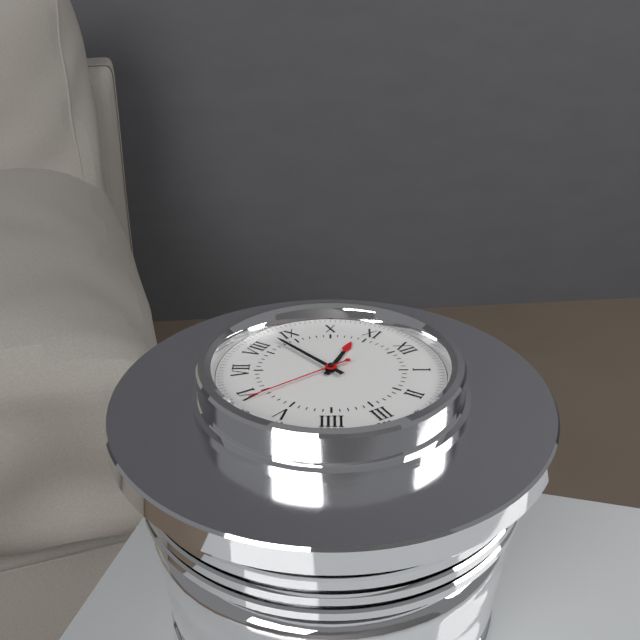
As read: {"hour": 10, "minute": 43, "second": 29}
